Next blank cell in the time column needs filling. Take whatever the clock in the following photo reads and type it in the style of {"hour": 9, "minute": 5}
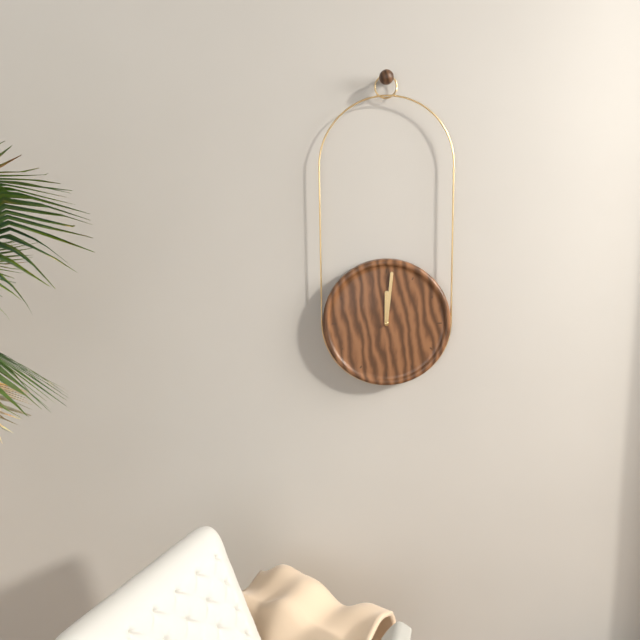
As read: {"hour": 12, "minute": 1}
